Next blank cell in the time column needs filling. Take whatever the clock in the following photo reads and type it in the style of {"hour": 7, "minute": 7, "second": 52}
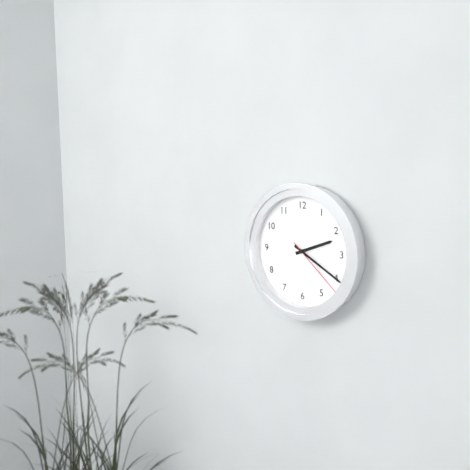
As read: {"hour": 2, "minute": 20, "second": 22}
